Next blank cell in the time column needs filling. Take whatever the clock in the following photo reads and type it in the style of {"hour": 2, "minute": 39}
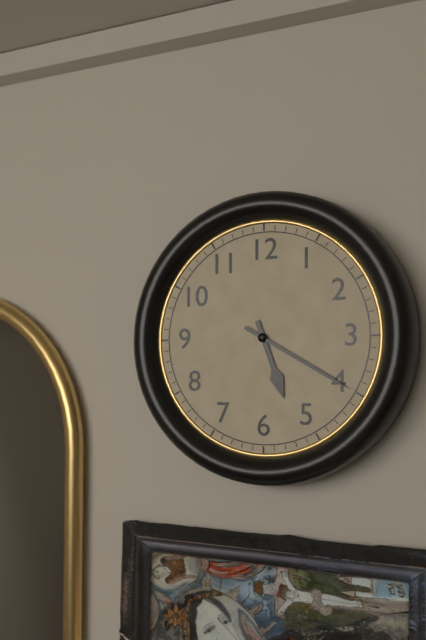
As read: {"hour": 5, "minute": 20}
